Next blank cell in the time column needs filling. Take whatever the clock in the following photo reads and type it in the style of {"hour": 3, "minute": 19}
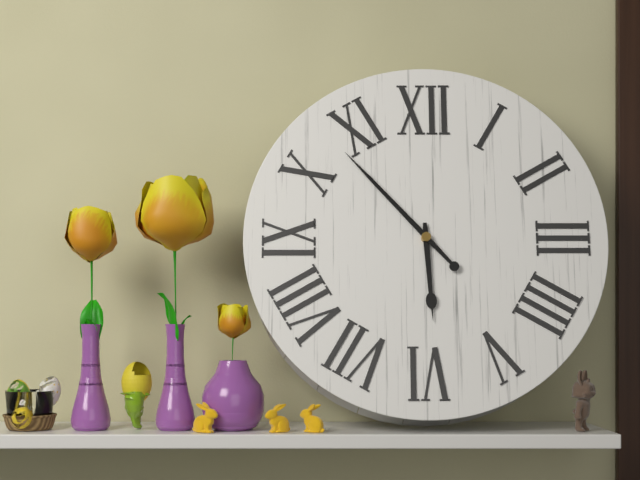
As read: {"hour": 5, "minute": 53}
